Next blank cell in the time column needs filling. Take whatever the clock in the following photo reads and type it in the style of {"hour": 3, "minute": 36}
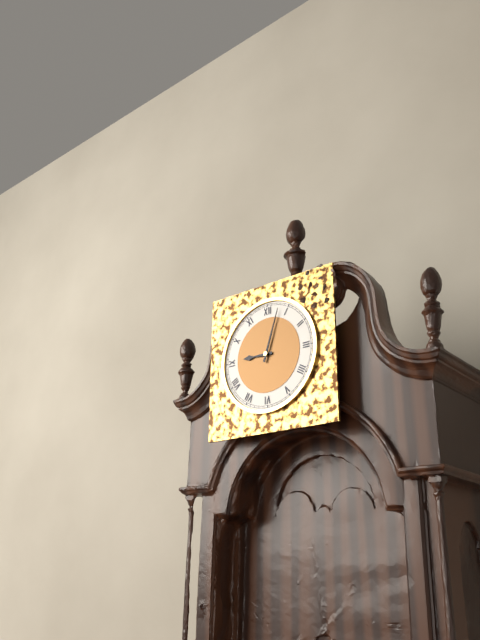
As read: {"hour": 9, "minute": 3}
